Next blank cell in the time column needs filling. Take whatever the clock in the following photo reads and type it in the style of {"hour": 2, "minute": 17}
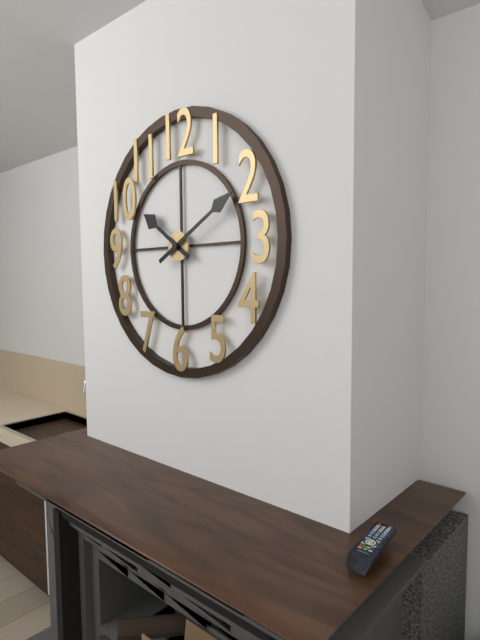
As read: {"hour": 10, "minute": 10}
